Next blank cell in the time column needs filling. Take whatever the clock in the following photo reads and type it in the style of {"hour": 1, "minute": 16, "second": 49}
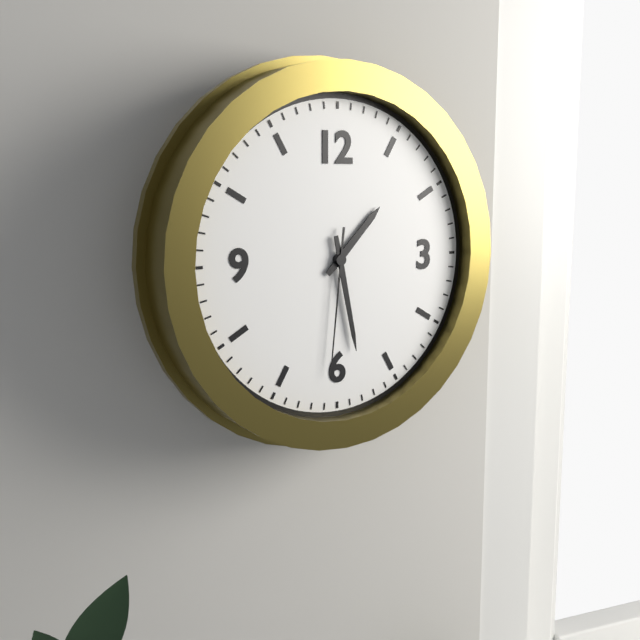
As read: {"hour": 1, "minute": 28, "second": 31}
